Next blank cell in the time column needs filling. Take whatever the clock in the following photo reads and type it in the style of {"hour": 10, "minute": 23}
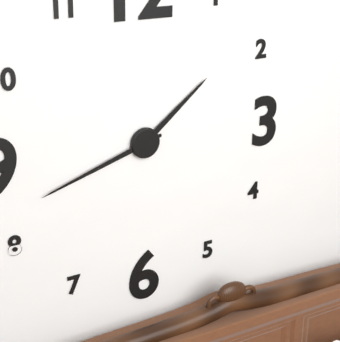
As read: {"hour": 1, "minute": 42}
